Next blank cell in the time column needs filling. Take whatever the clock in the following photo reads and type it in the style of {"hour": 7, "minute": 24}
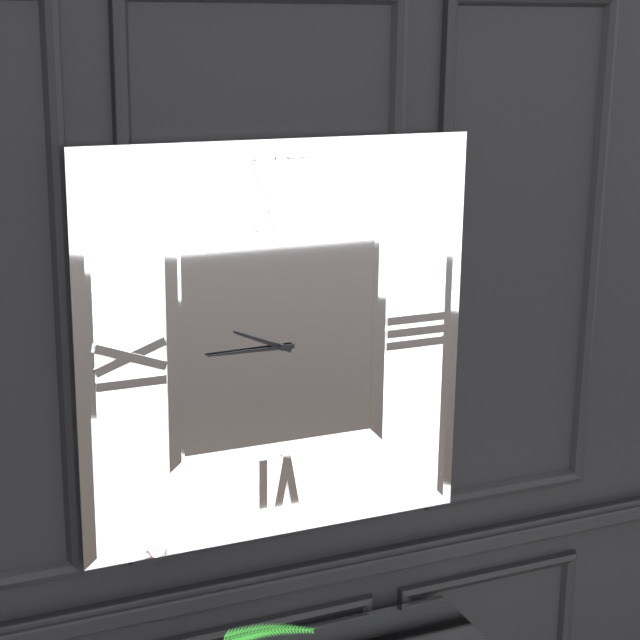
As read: {"hour": 9, "minute": 45}
